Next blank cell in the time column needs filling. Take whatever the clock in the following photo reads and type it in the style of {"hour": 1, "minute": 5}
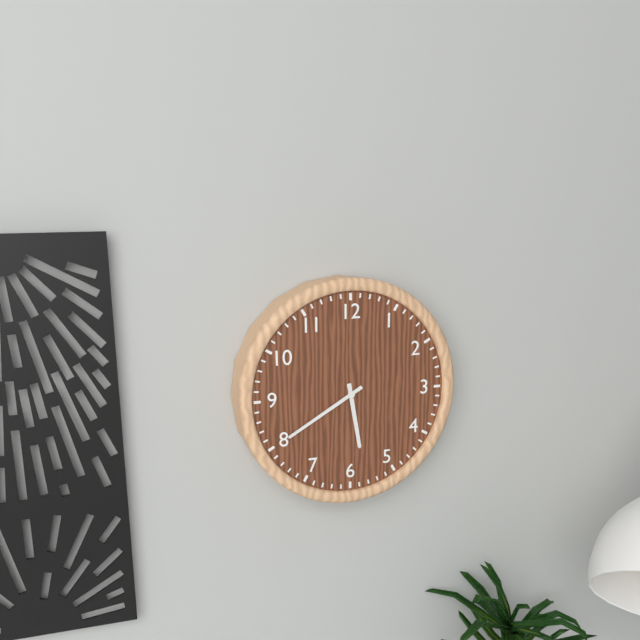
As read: {"hour": 5, "minute": 40}
